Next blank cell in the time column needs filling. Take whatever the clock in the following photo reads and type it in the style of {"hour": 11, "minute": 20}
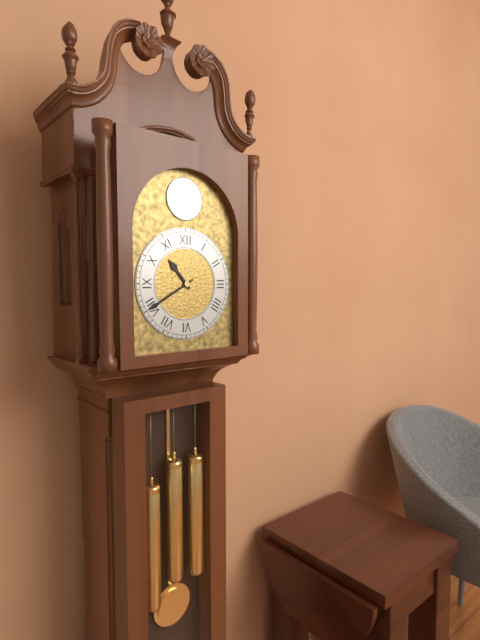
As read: {"hour": 10, "minute": 40}
